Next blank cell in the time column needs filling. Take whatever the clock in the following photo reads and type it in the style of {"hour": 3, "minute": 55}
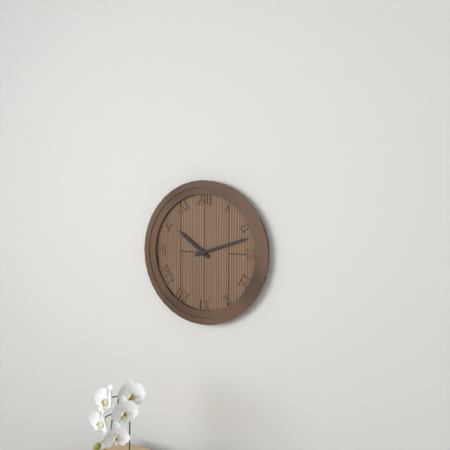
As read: {"hour": 10, "minute": 12}
